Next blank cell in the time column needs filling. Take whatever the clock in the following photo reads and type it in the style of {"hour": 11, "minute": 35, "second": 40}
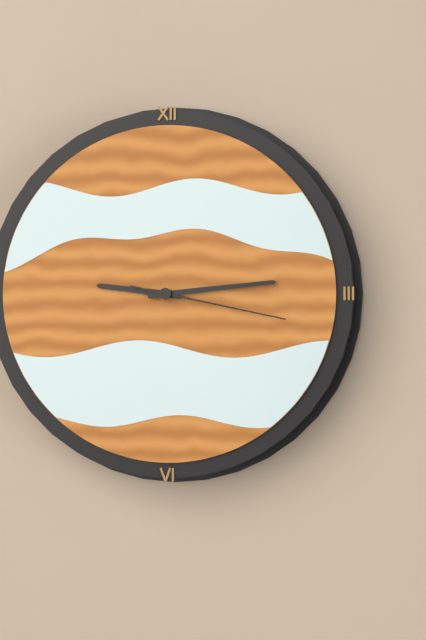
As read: {"hour": 9, "minute": 14, "second": 17}
